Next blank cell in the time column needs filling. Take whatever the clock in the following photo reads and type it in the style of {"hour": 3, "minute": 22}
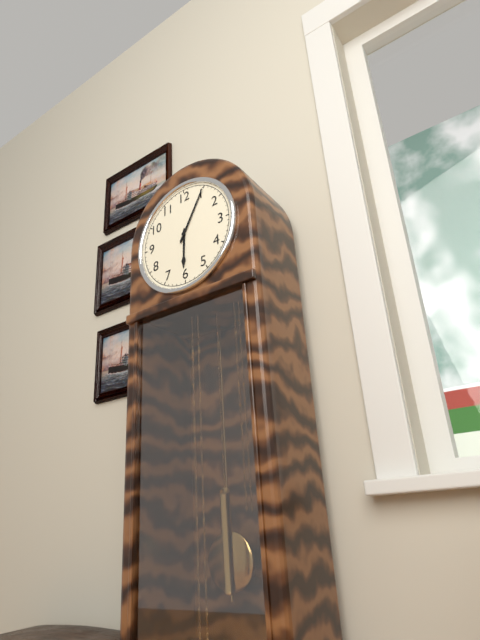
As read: {"hour": 6, "minute": 5}
